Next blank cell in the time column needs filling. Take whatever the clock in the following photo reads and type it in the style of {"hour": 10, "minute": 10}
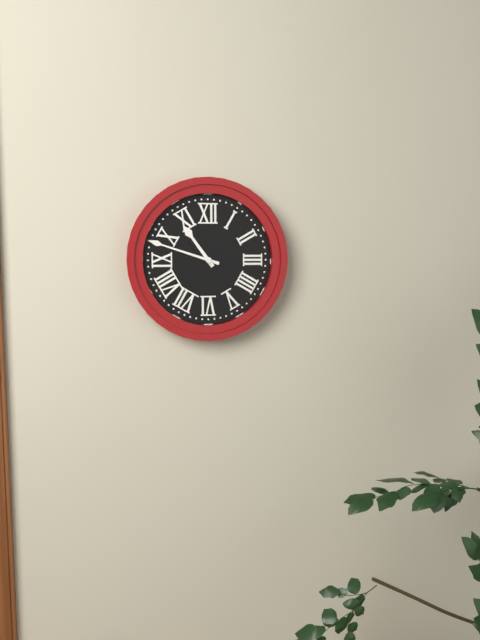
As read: {"hour": 10, "minute": 48}
